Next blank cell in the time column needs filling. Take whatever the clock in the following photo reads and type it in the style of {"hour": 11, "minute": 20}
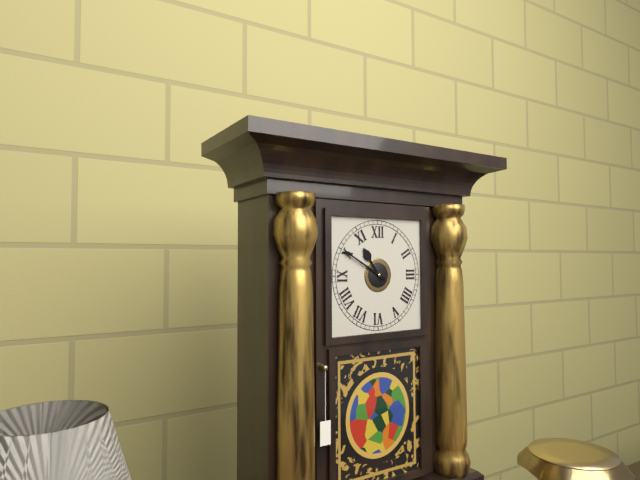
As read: {"hour": 10, "minute": 50}
